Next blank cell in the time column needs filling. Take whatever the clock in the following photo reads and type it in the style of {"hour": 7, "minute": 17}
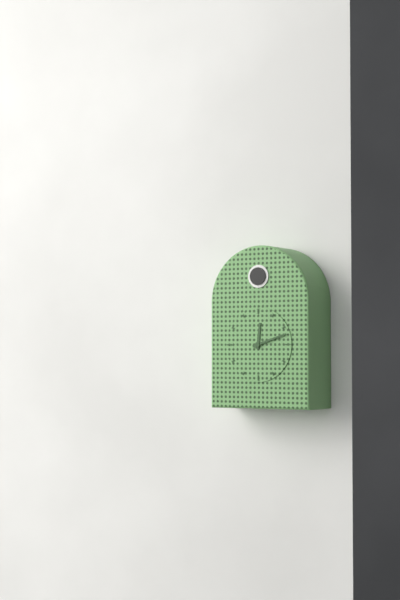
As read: {"hour": 12, "minute": 12}
